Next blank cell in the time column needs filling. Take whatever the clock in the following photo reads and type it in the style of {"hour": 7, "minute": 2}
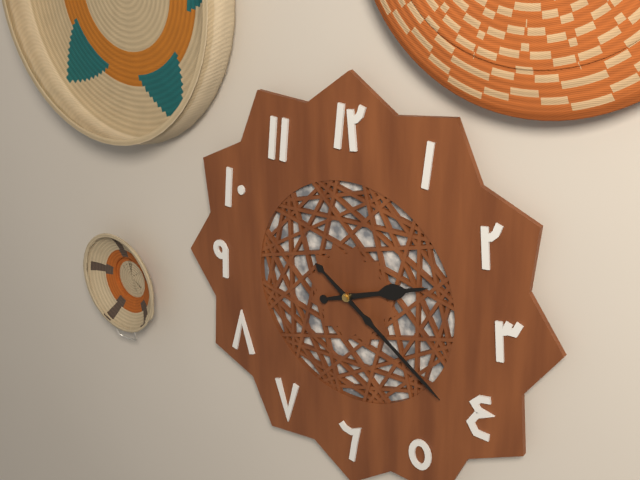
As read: {"hour": 2, "minute": 21}
